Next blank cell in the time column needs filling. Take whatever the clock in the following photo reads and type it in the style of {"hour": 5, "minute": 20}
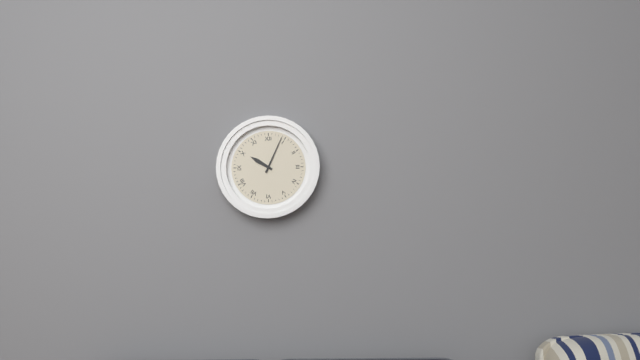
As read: {"hour": 10, "minute": 4}
